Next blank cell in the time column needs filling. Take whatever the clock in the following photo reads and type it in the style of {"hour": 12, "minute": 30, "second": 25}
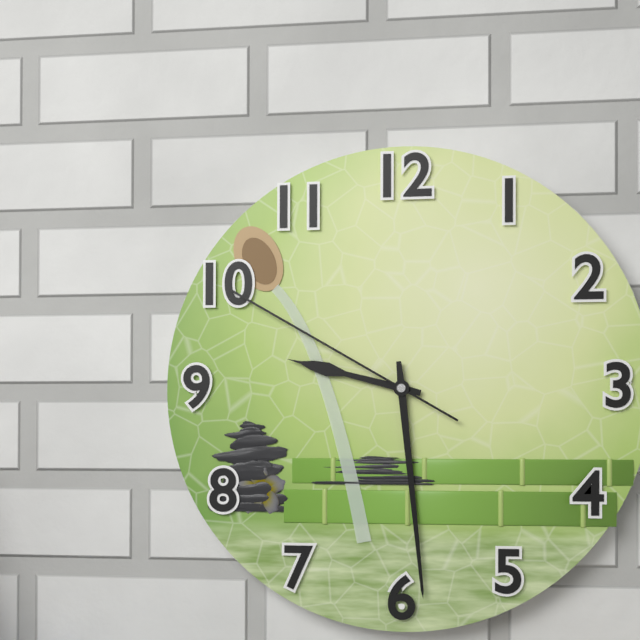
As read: {"hour": 9, "minute": 29, "second": 50}
